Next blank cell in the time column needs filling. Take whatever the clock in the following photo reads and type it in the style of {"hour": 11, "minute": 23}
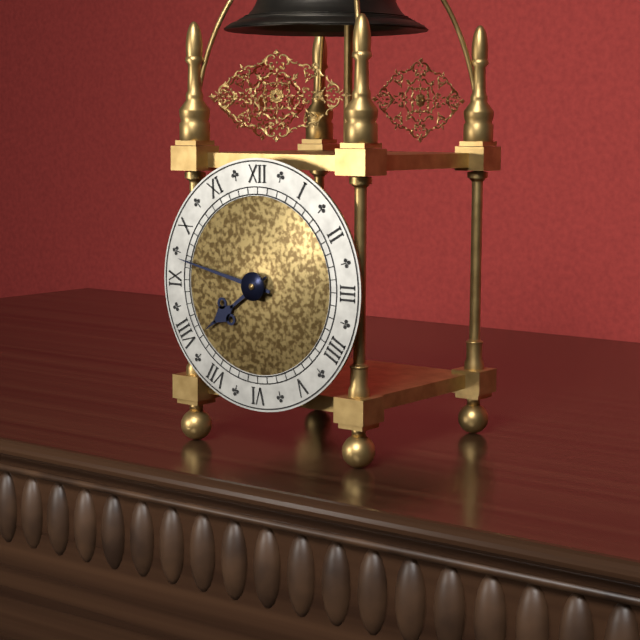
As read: {"hour": 7, "minute": 47}
